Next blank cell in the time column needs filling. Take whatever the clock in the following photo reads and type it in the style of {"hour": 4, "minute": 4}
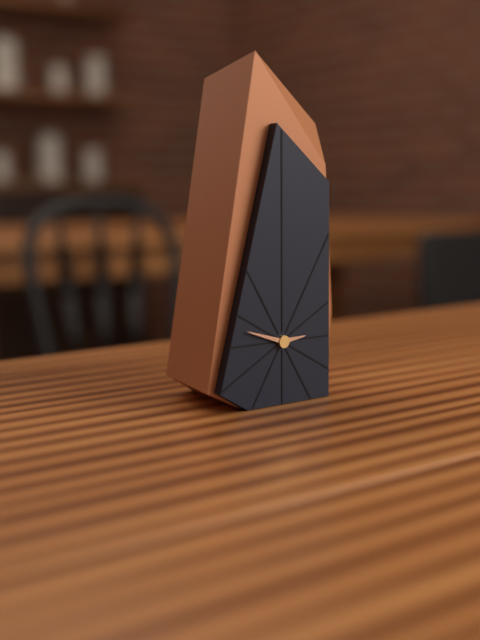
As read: {"hour": 2, "minute": 48}
